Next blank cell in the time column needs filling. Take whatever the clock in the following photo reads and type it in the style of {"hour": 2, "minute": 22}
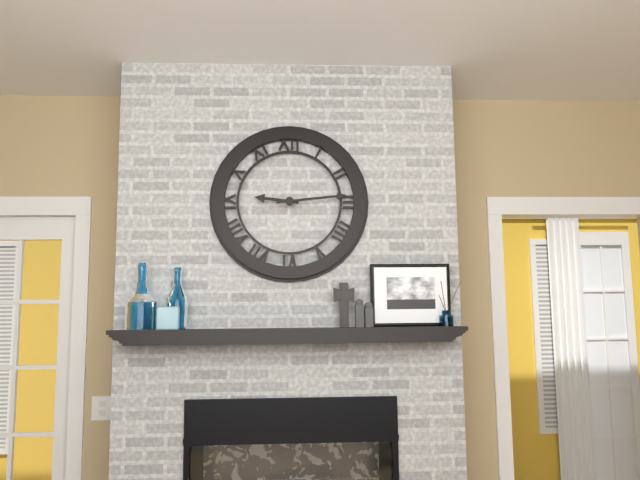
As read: {"hour": 9, "minute": 14}
